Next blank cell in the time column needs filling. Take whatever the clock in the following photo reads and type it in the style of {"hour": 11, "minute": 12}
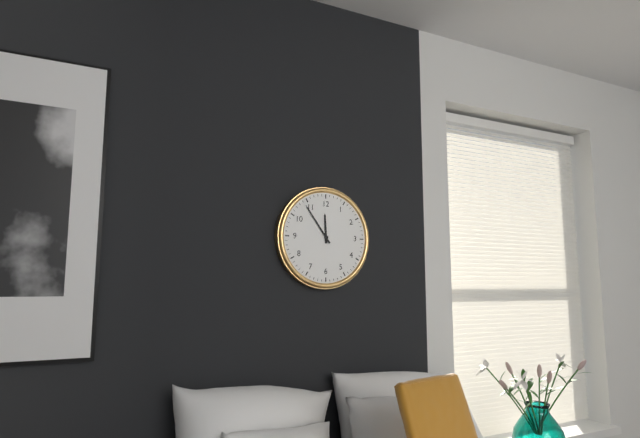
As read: {"hour": 11, "minute": 54}
